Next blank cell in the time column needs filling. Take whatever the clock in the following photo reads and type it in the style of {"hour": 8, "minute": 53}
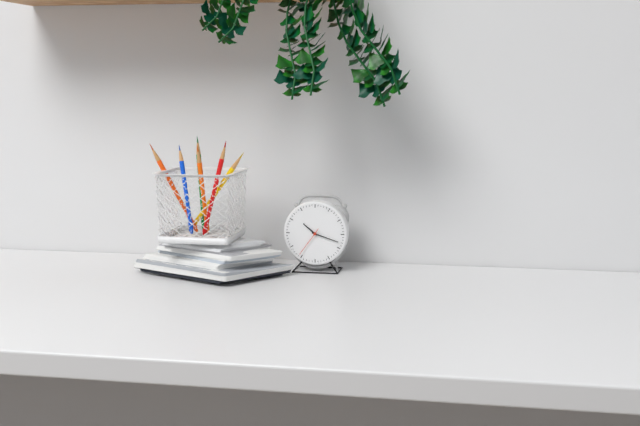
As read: {"hour": 10, "minute": 18}
